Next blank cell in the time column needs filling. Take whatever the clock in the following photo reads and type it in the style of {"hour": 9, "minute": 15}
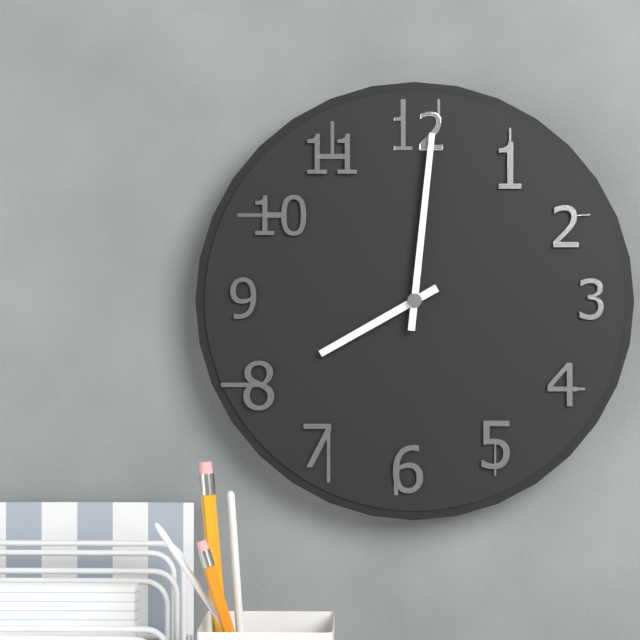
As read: {"hour": 8, "minute": 1}
